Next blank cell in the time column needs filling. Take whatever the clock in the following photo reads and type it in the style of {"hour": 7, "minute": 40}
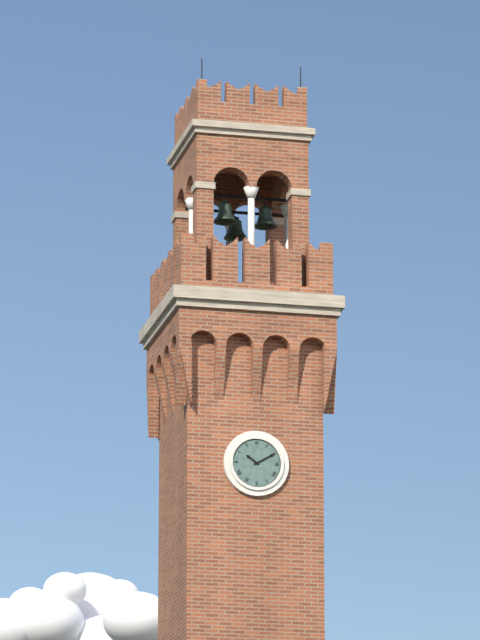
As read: {"hour": 10, "minute": 10}
